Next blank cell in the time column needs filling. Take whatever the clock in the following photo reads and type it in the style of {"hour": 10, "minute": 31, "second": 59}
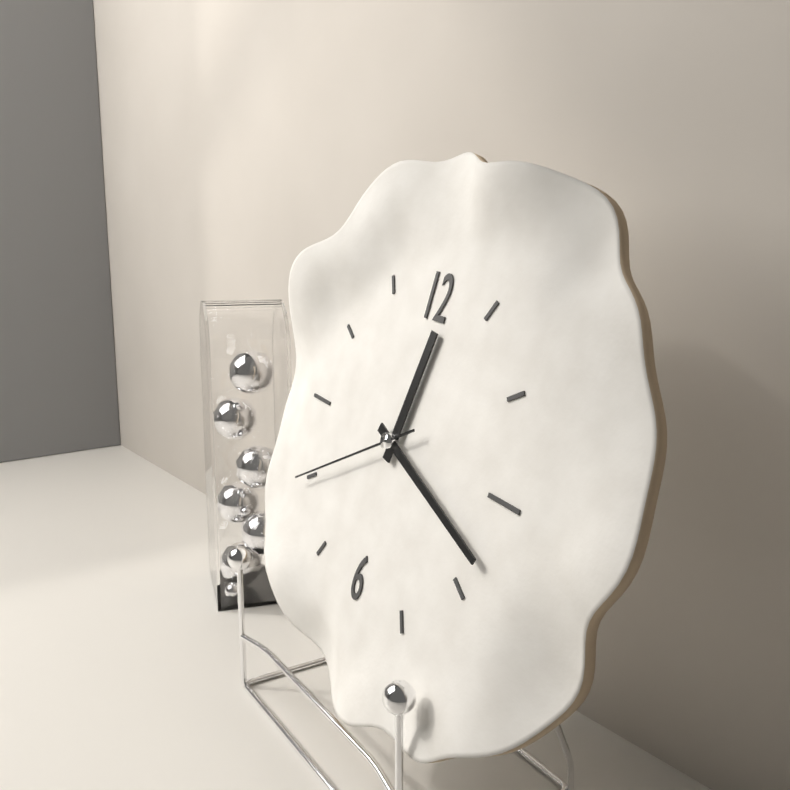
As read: {"hour": 12, "minute": 18, "second": 40}
